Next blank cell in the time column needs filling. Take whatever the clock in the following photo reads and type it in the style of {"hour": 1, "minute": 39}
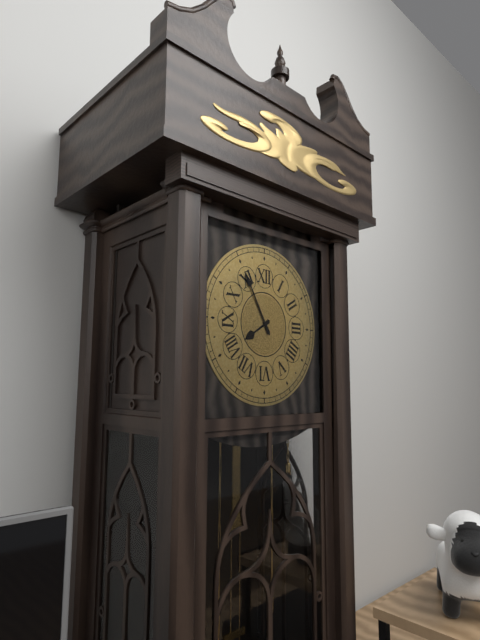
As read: {"hour": 7, "minute": 55}
